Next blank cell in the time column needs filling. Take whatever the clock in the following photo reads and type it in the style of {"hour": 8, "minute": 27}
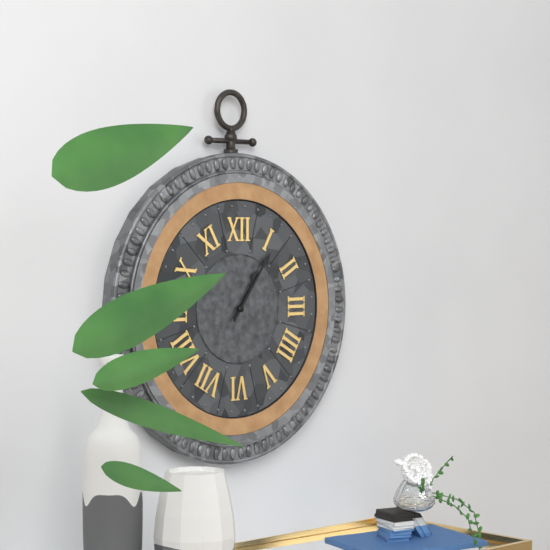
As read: {"hour": 1, "minute": 6}
